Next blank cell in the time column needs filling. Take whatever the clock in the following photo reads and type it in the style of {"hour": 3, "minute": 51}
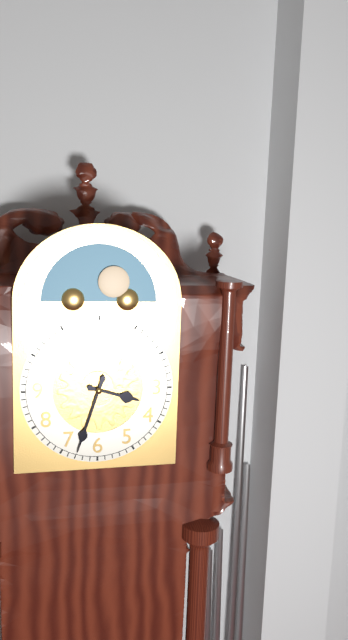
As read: {"hour": 3, "minute": 33}
